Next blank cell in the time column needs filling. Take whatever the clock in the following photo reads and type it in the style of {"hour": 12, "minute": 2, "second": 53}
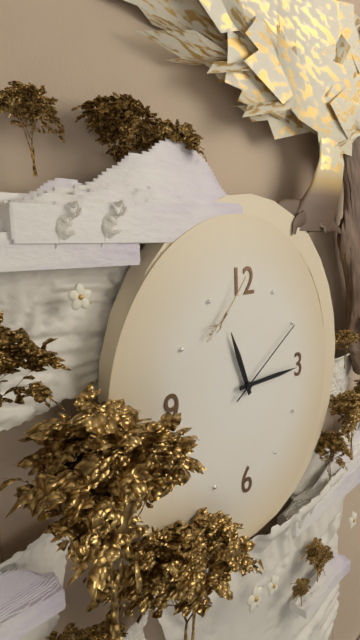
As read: {"hour": 11, "minute": 15, "second": 10}
